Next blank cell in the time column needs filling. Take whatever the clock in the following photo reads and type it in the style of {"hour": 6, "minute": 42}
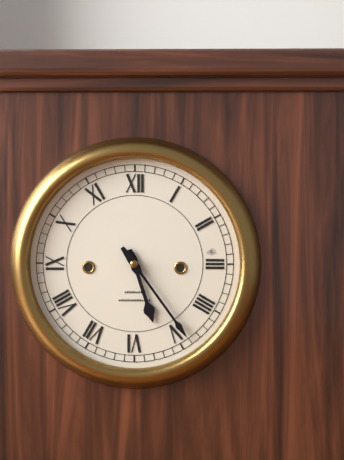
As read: {"hour": 5, "minute": 24}
